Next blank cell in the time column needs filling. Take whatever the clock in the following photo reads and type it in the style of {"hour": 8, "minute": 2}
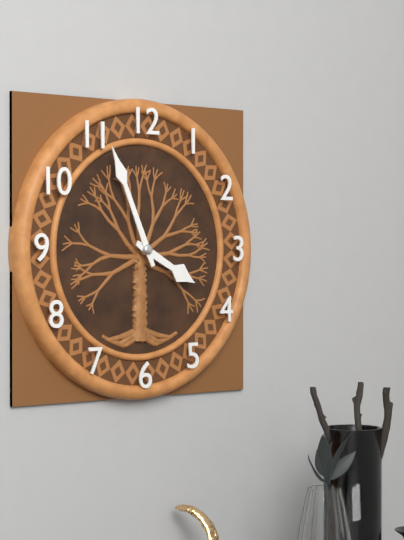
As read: {"hour": 3, "minute": 56}
